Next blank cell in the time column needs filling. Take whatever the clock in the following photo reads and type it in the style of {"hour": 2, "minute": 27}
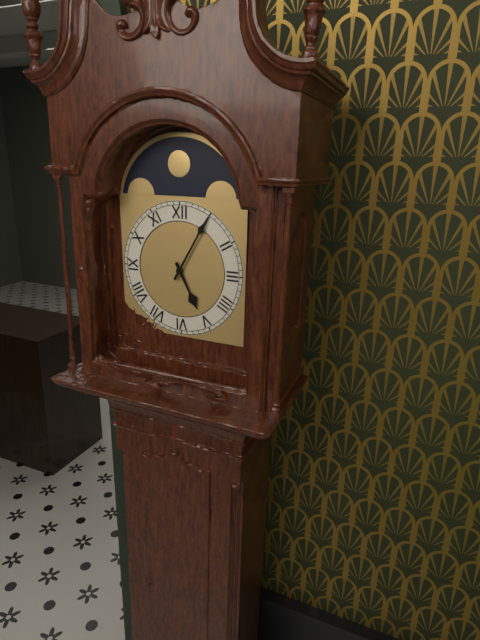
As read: {"hour": 5, "minute": 5}
